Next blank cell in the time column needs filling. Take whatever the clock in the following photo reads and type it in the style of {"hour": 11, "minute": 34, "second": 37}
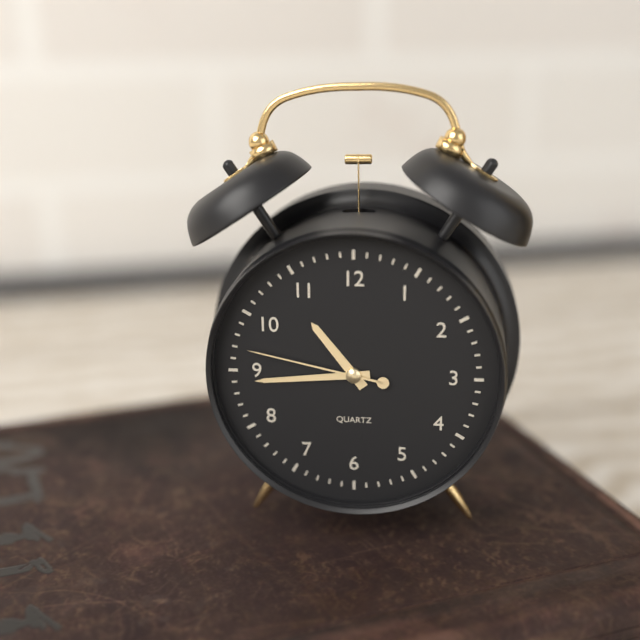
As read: {"hour": 10, "minute": 44, "second": 47}
